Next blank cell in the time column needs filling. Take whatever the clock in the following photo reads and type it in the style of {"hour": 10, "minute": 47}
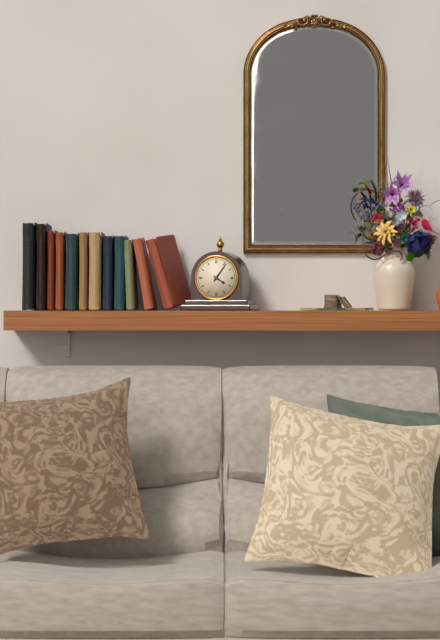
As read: {"hour": 4, "minute": 6}
